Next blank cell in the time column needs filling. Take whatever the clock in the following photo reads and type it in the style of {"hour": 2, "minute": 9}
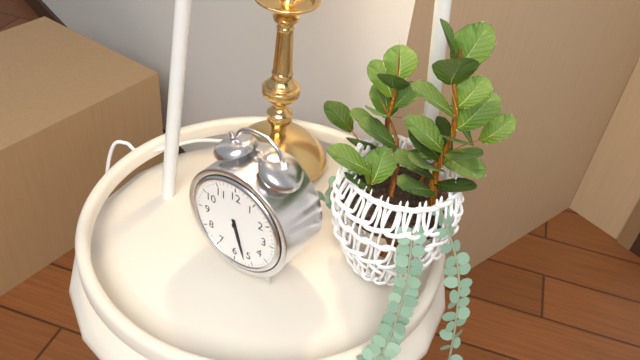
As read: {"hour": 5, "minute": 27}
